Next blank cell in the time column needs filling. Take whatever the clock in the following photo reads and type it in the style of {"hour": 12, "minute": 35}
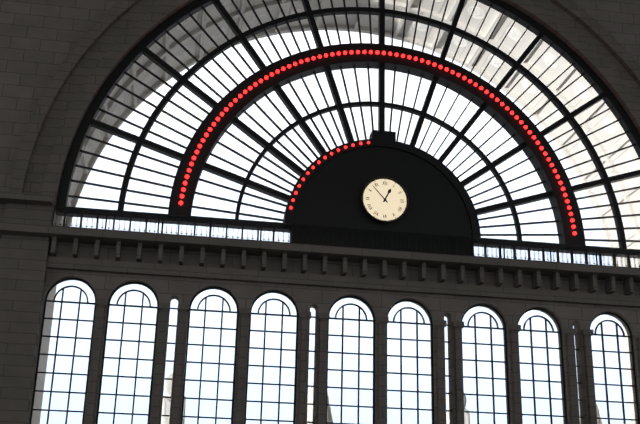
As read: {"hour": 12, "minute": 53}
